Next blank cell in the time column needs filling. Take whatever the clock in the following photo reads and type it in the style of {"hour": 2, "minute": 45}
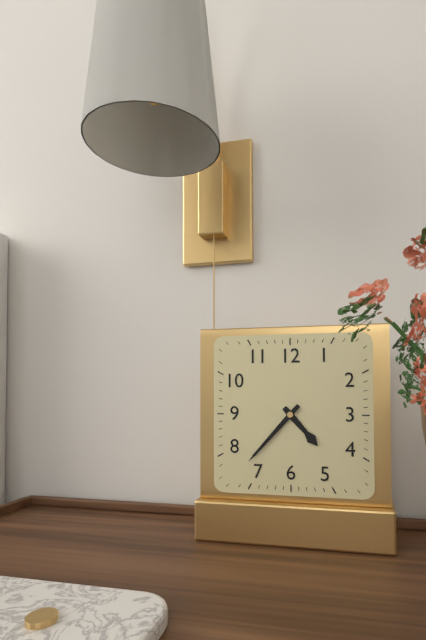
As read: {"hour": 4, "minute": 37}
